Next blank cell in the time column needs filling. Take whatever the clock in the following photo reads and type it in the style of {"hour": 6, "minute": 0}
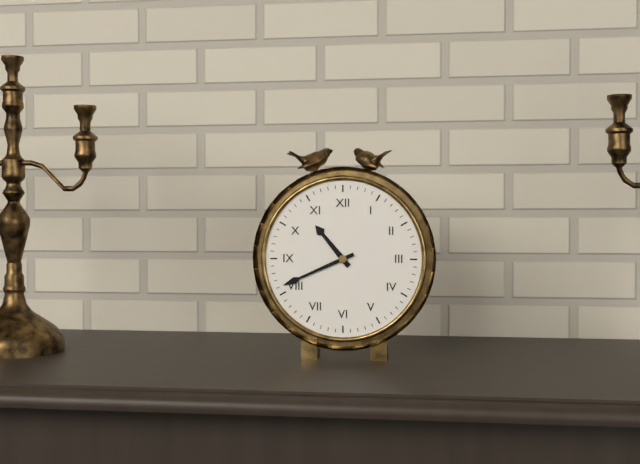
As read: {"hour": 10, "minute": 41}
